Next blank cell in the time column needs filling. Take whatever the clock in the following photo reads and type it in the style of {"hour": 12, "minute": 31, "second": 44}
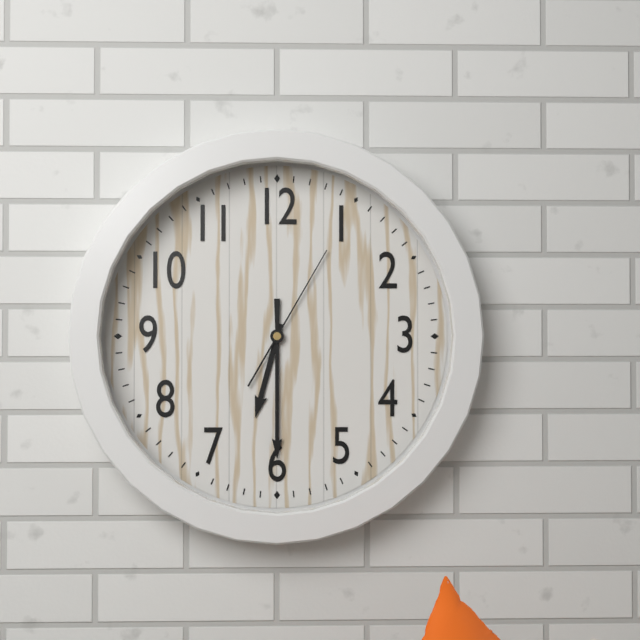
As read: {"hour": 6, "minute": 30, "second": 5}
